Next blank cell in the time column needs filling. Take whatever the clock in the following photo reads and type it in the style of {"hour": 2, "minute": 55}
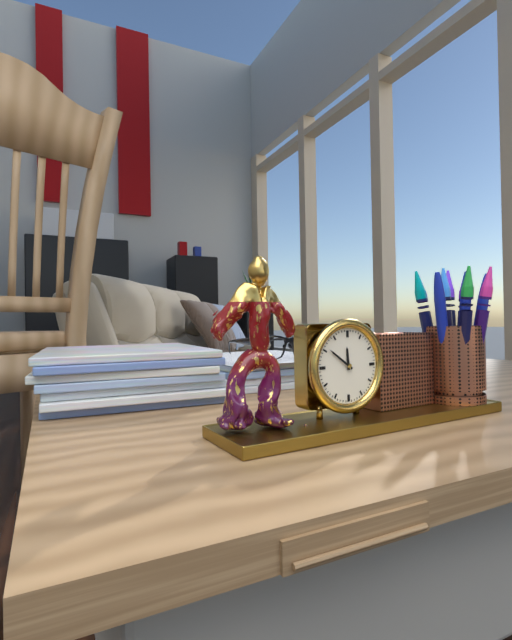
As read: {"hour": 11, "minute": 51}
